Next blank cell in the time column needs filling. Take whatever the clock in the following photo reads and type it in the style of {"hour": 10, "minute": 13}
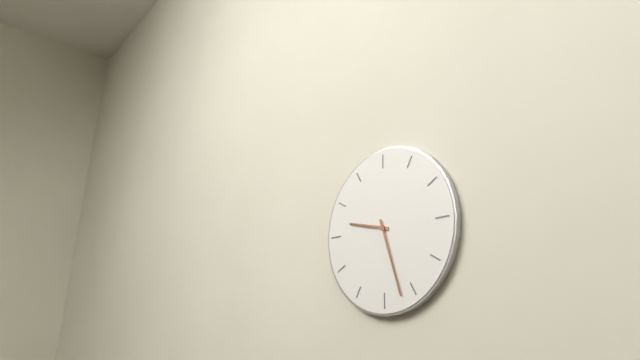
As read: {"hour": 9, "minute": 27}
